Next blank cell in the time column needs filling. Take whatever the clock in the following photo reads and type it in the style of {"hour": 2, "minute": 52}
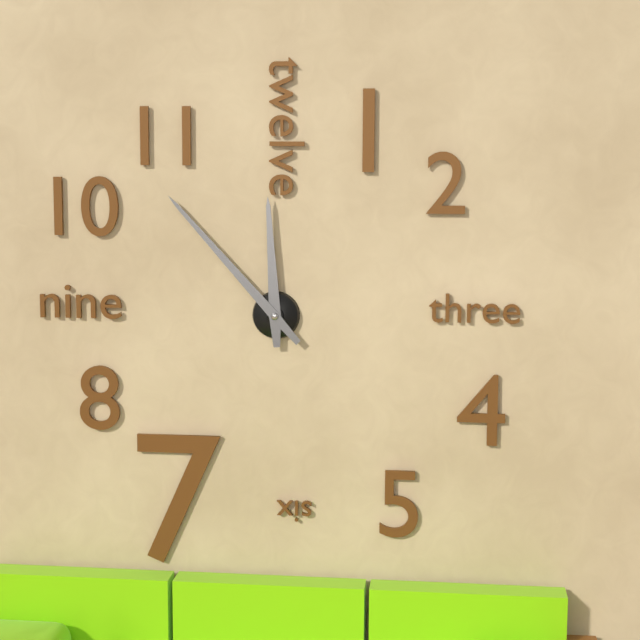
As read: {"hour": 11, "minute": 53}
